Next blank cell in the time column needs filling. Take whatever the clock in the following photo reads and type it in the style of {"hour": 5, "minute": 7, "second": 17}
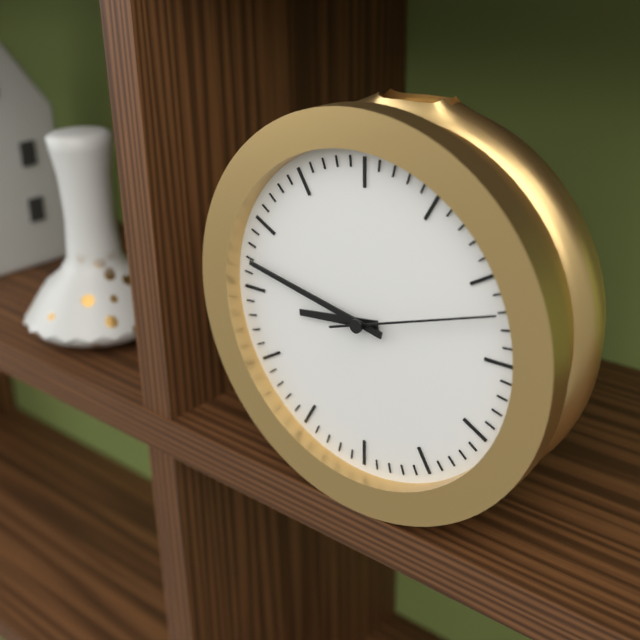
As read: {"hour": 8, "minute": 47, "second": 12}
